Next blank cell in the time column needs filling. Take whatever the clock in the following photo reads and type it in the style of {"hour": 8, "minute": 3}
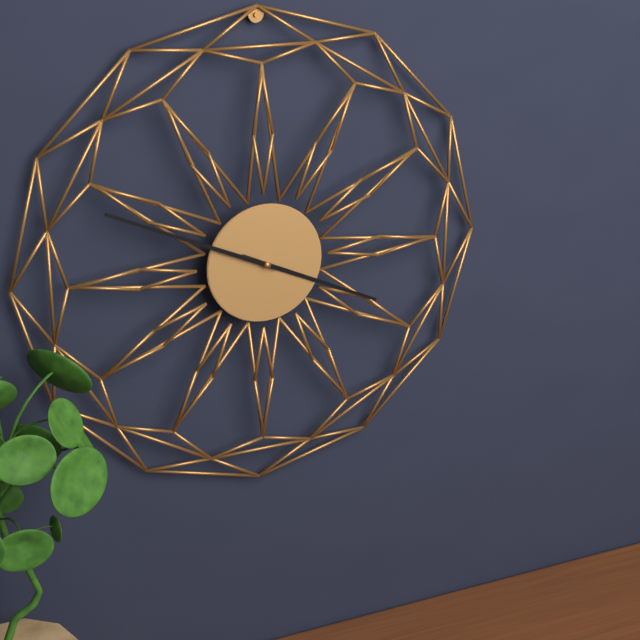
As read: {"hour": 3, "minute": 49}
